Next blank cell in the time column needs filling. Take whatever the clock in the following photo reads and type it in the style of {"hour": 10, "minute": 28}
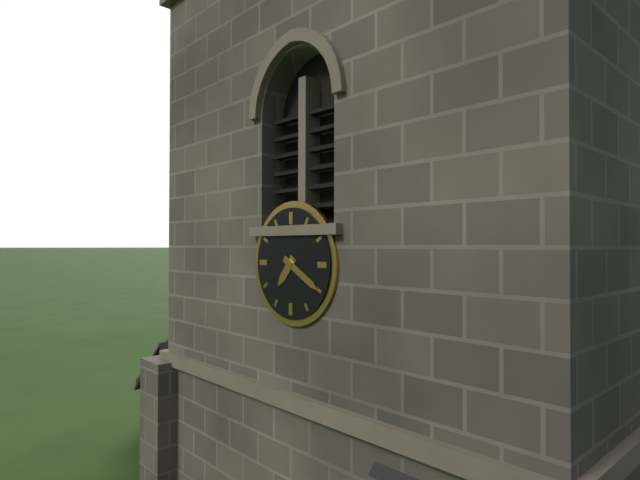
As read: {"hour": 7, "minute": 20}
